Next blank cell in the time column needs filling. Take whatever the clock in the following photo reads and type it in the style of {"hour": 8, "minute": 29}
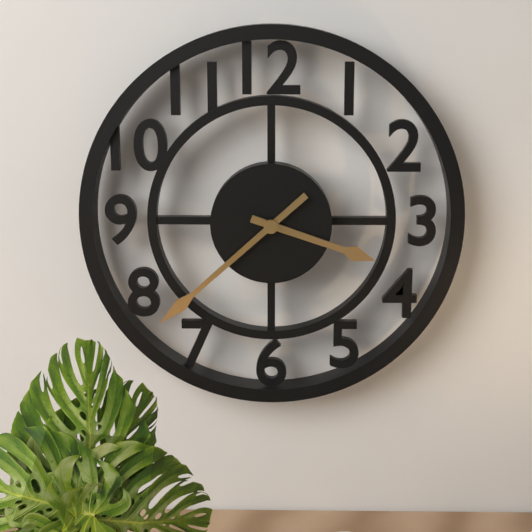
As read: {"hour": 3, "minute": 38}
